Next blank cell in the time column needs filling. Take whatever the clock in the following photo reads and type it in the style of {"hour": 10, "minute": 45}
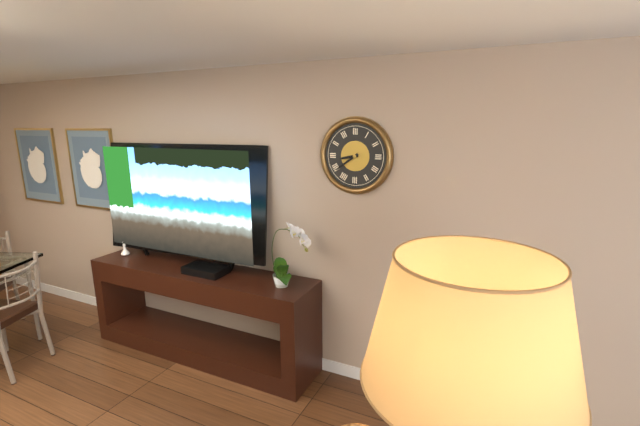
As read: {"hour": 8, "minute": 39}
